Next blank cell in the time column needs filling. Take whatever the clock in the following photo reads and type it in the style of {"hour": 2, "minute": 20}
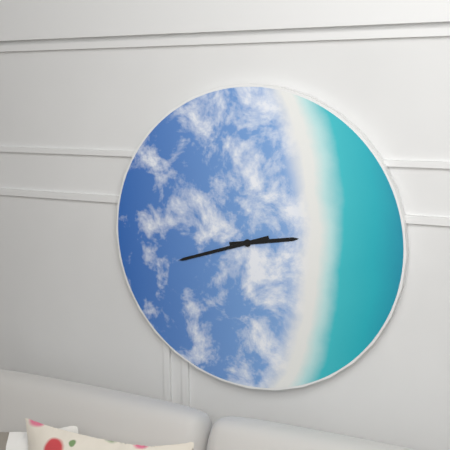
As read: {"hour": 2, "minute": 42}
